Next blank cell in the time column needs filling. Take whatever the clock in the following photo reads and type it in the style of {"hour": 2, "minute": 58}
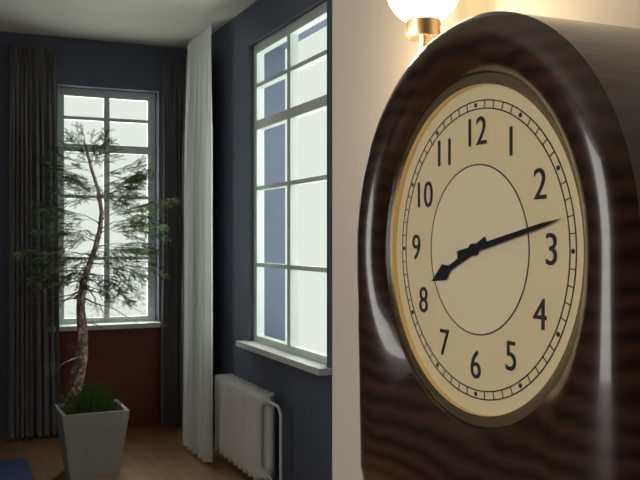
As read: {"hour": 8, "minute": 13}
